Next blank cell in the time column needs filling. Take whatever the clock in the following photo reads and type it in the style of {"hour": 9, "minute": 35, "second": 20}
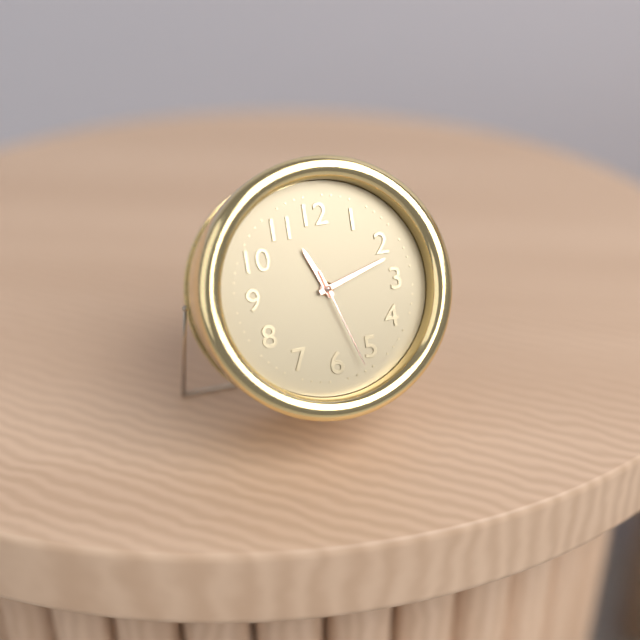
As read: {"hour": 11, "minute": 12, "second": 27}
